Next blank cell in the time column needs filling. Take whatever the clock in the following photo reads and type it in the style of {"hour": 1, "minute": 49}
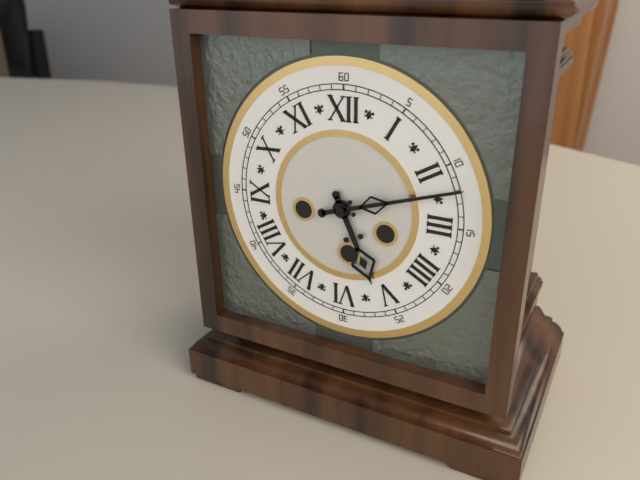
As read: {"hour": 5, "minute": 12}
